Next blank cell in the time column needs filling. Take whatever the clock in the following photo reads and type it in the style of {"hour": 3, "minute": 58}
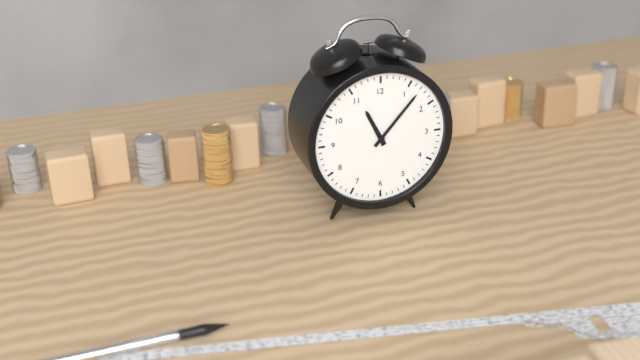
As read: {"hour": 11, "minute": 7}
